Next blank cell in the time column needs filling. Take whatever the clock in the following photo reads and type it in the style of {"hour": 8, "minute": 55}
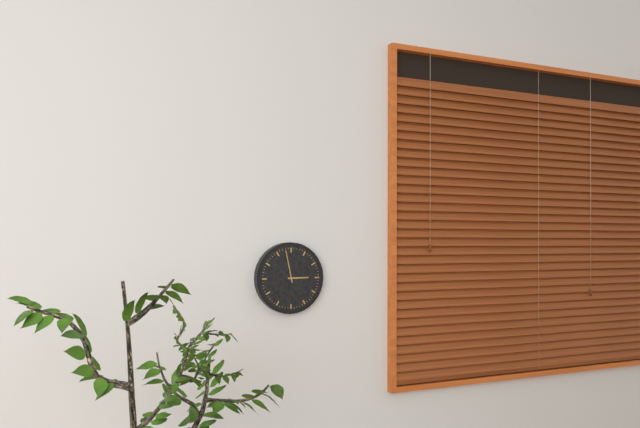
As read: {"hour": 2, "minute": 58}
